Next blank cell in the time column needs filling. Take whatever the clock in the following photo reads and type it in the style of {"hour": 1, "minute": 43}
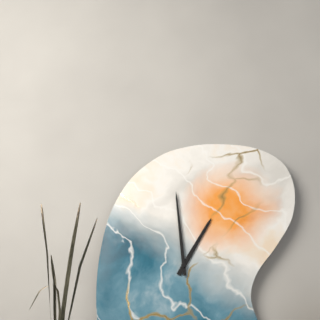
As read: {"hour": 12, "minute": 59}
